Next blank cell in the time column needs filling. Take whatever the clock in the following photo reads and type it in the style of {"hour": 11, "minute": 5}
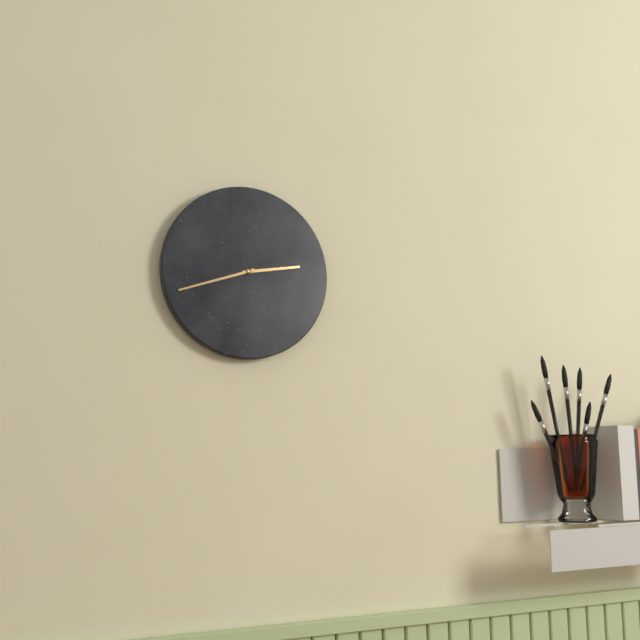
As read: {"hour": 2, "minute": 42}
